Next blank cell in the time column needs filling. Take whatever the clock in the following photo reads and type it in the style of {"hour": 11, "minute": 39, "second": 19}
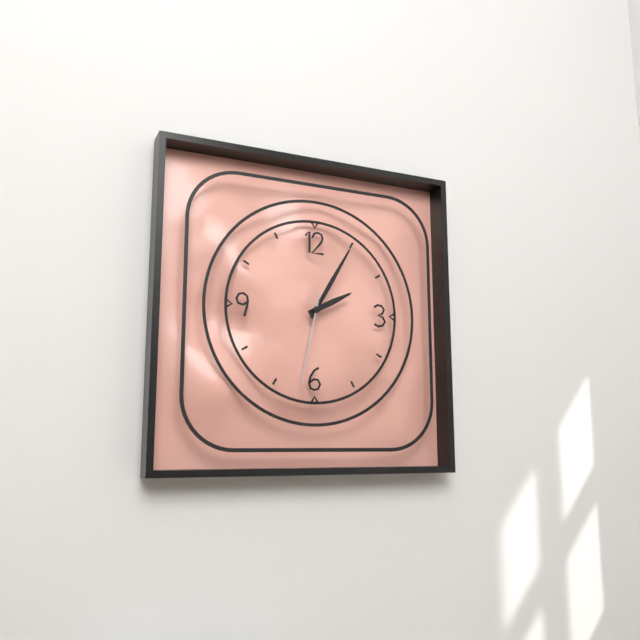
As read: {"hour": 2, "minute": 5, "second": 32}
